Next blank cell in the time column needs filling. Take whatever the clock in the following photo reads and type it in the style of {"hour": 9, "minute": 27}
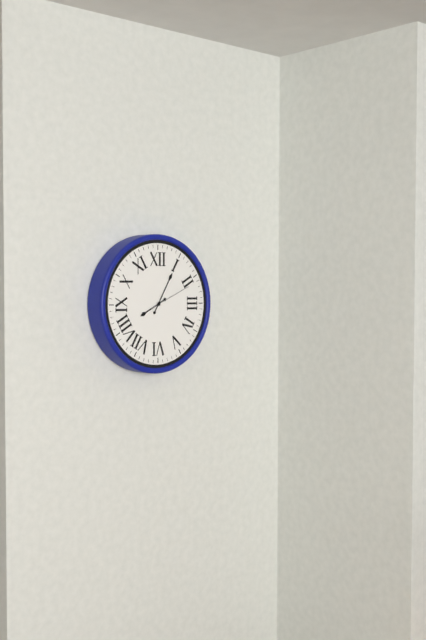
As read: {"hour": 8, "minute": 5}
